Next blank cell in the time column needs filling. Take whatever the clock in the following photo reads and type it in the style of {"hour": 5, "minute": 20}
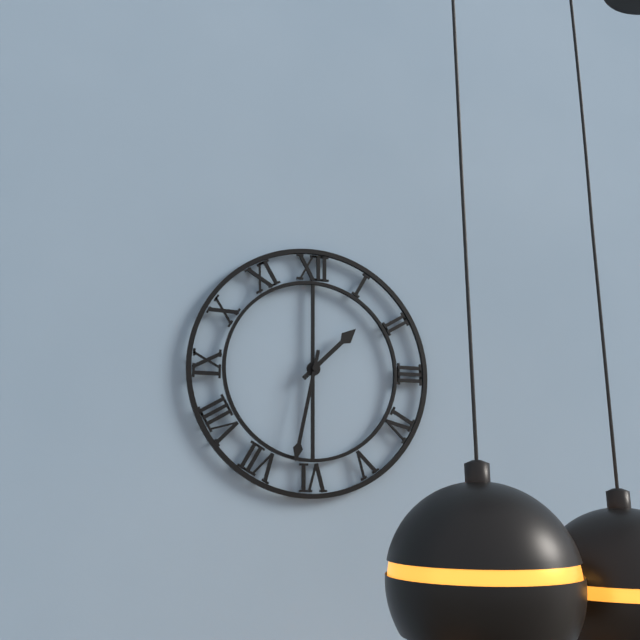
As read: {"hour": 1, "minute": 32}
